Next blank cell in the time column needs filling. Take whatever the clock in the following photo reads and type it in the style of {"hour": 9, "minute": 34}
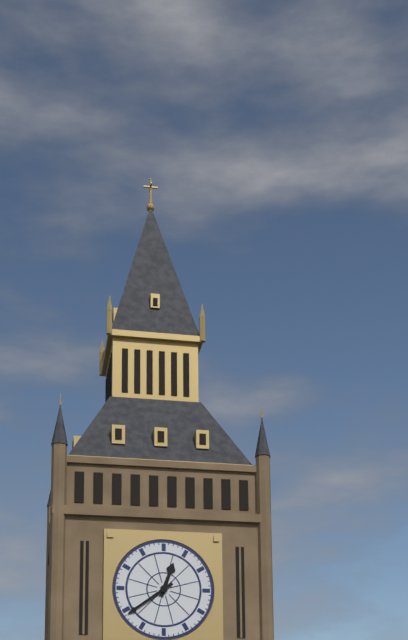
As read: {"hour": 12, "minute": 39}
